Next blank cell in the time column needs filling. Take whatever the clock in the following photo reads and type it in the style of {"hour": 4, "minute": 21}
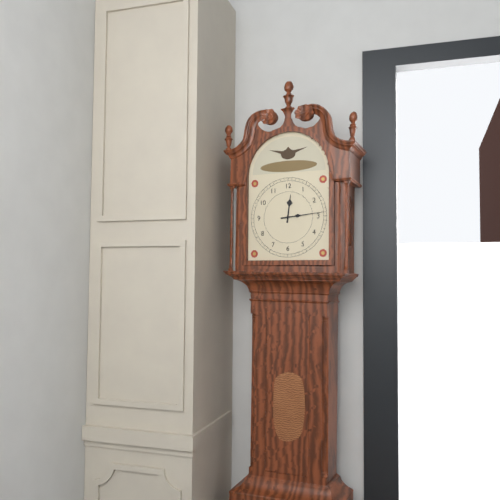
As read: {"hour": 12, "minute": 14}
